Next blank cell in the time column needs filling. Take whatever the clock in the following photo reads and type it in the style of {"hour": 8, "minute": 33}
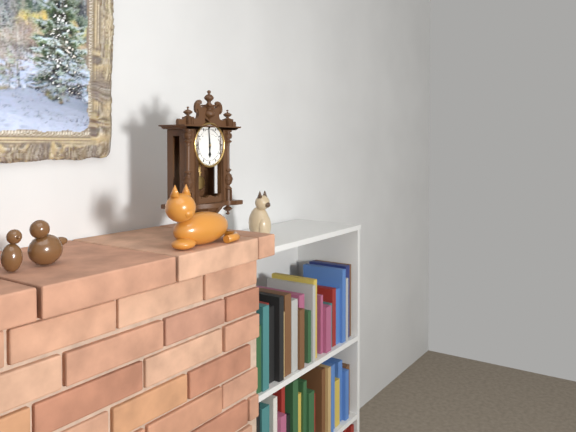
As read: {"hour": 5, "minute": 59}
